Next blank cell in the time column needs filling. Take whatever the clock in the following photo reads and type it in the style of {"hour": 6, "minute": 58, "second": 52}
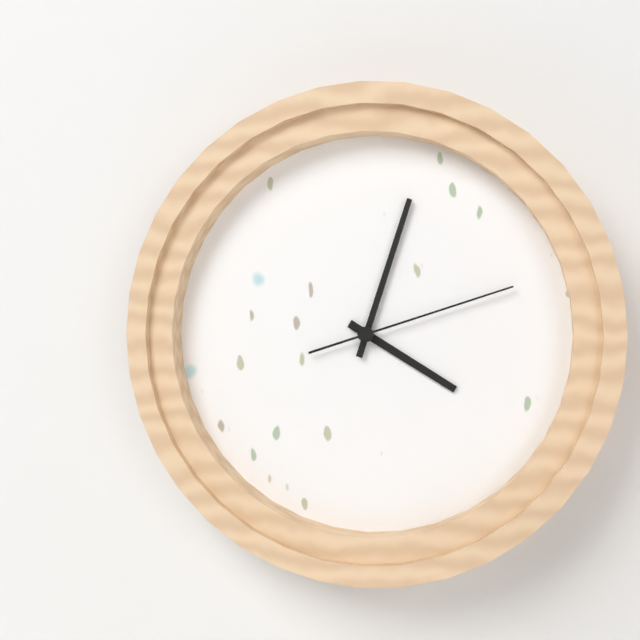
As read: {"hour": 4, "minute": 3, "second": 12}
